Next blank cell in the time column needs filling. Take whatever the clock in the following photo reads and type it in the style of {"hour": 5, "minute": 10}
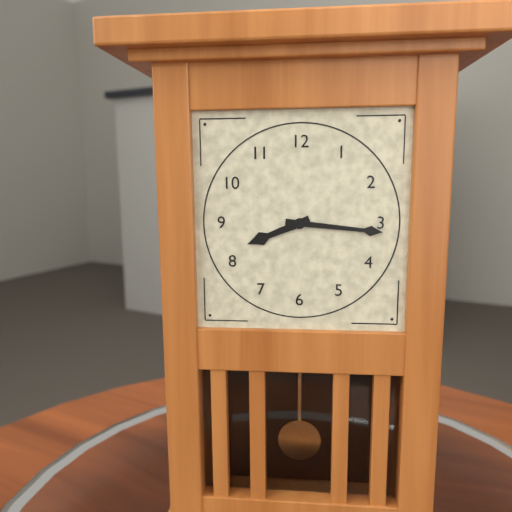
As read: {"hour": 8, "minute": 16}
